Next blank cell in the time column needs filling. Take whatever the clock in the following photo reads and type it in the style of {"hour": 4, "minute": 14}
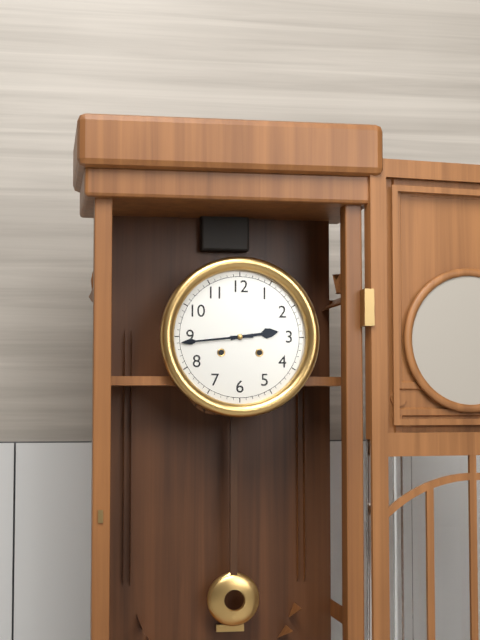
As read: {"hour": 2, "minute": 44}
